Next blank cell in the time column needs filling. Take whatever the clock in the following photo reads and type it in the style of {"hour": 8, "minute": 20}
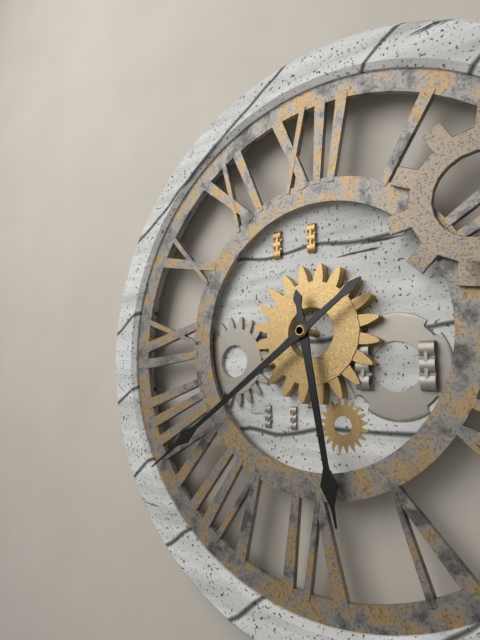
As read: {"hour": 5, "minute": 39}
